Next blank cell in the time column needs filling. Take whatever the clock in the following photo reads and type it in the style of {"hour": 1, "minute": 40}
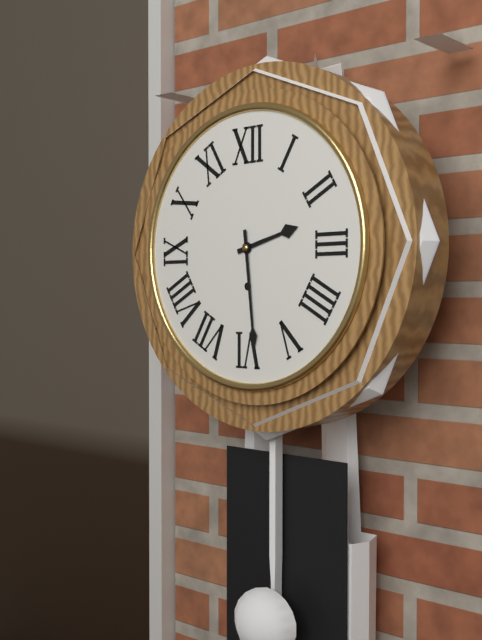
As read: {"hour": 2, "minute": 29}
